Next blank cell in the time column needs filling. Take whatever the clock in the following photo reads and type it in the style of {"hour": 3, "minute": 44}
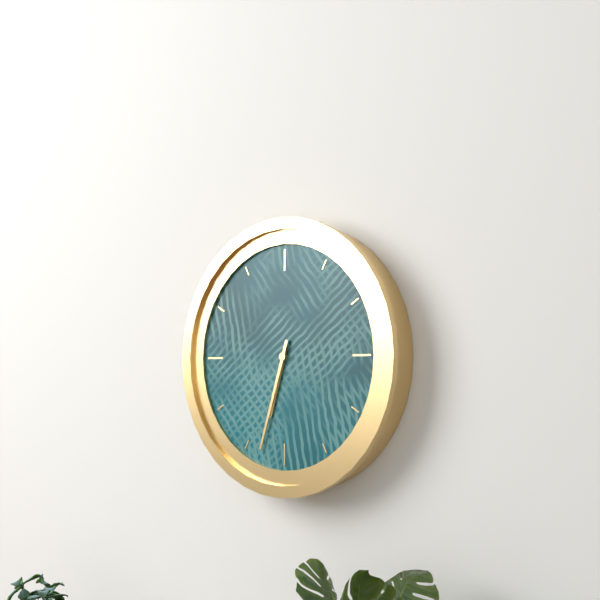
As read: {"hour": 6, "minute": 33}
